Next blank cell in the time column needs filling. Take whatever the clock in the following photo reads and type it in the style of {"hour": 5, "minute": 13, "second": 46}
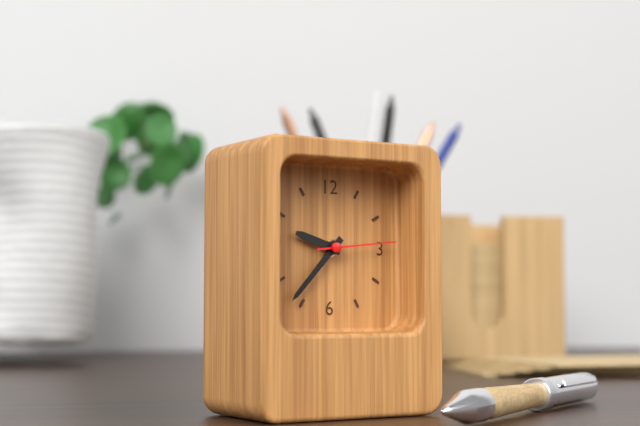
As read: {"hour": 9, "minute": 37, "second": 14}
